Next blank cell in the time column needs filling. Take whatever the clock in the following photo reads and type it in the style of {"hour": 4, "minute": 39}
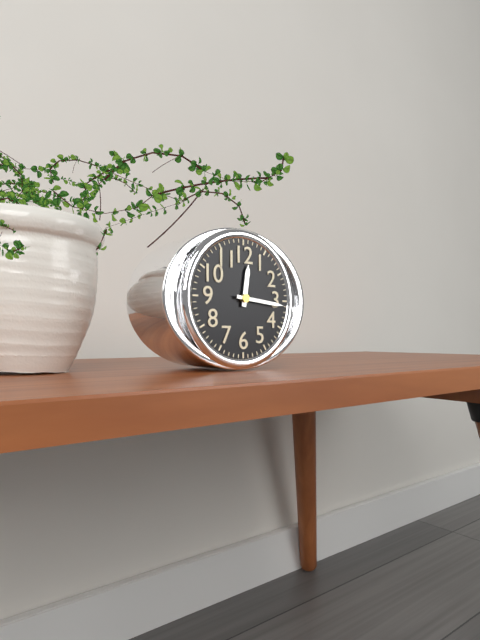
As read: {"hour": 12, "minute": 16}
